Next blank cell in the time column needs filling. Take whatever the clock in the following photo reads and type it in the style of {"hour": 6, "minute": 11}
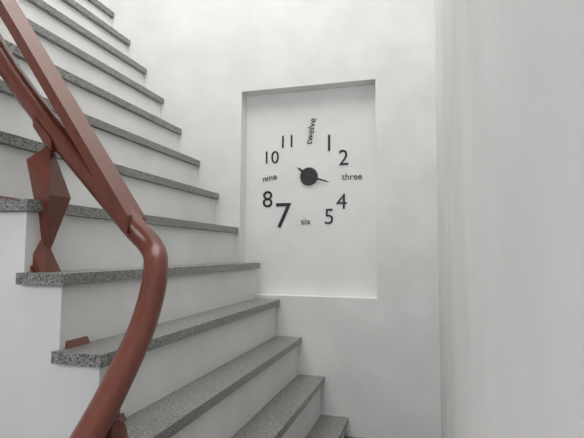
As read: {"hour": 10, "minute": 18}
